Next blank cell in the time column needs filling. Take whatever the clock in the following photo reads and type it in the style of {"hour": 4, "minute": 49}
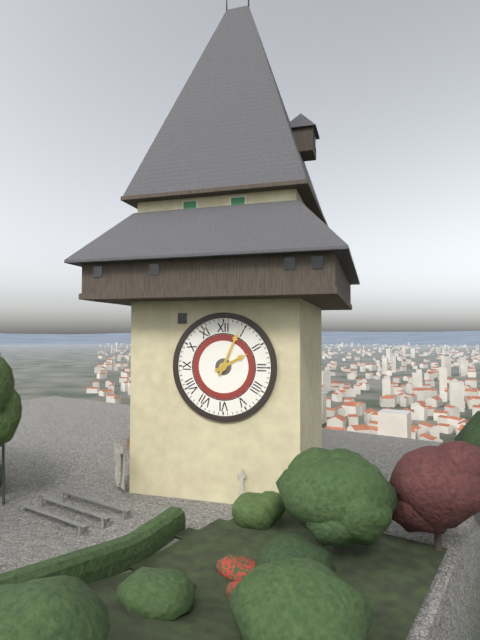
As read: {"hour": 2, "minute": 4}
